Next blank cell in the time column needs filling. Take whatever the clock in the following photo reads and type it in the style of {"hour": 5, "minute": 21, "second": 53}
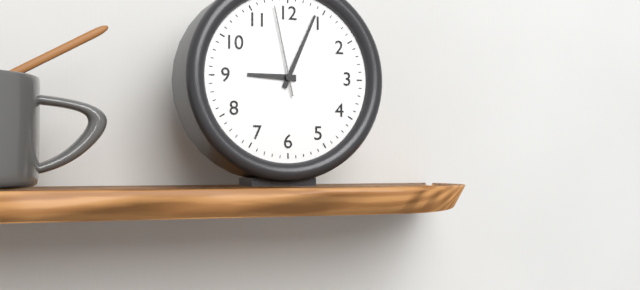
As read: {"hour": 9, "minute": 4, "second": 58}
